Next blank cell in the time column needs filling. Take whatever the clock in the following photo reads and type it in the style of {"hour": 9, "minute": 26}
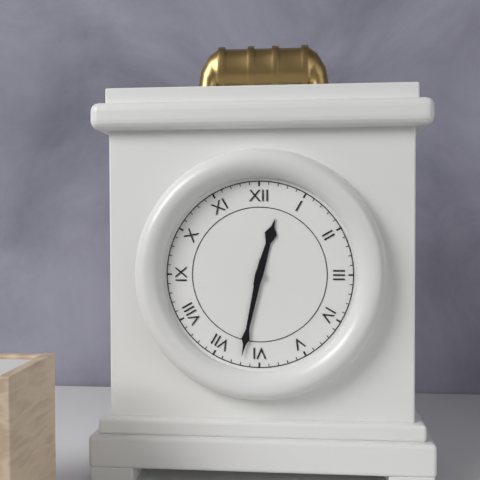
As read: {"hour": 12, "minute": 32}
